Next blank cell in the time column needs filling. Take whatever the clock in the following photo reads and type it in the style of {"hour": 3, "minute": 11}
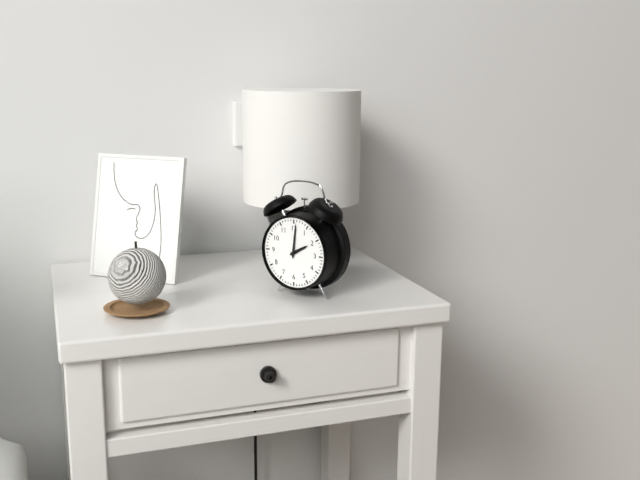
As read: {"hour": 2, "minute": 1}
